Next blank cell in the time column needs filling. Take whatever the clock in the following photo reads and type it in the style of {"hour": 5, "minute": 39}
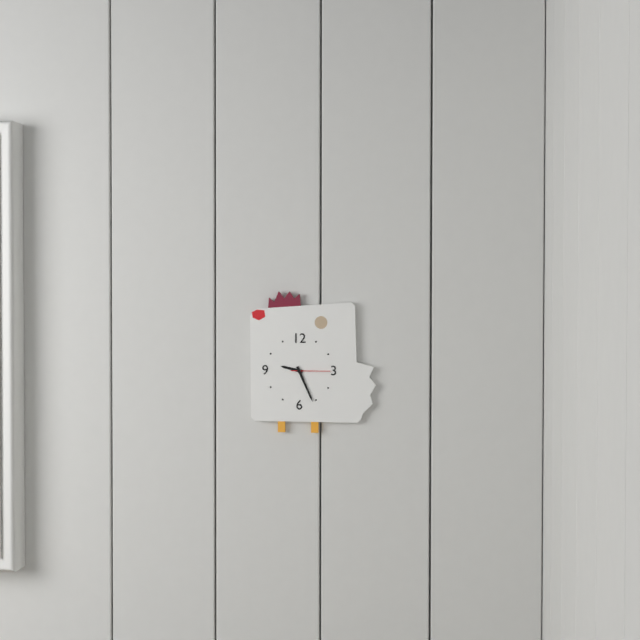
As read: {"hour": 9, "minute": 26}
